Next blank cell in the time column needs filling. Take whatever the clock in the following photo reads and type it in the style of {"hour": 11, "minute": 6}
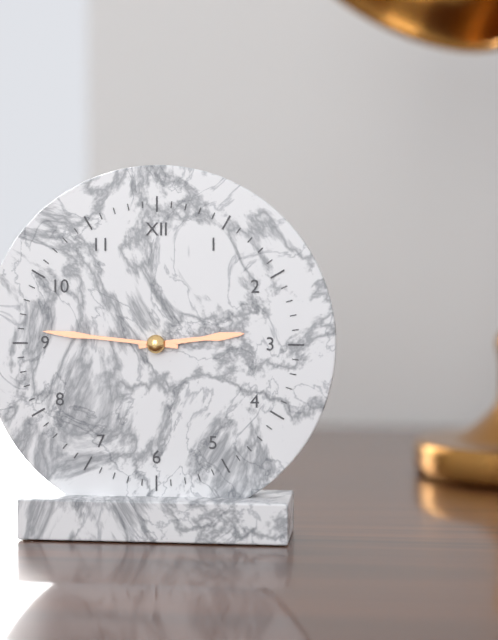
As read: {"hour": 2, "minute": 46}
